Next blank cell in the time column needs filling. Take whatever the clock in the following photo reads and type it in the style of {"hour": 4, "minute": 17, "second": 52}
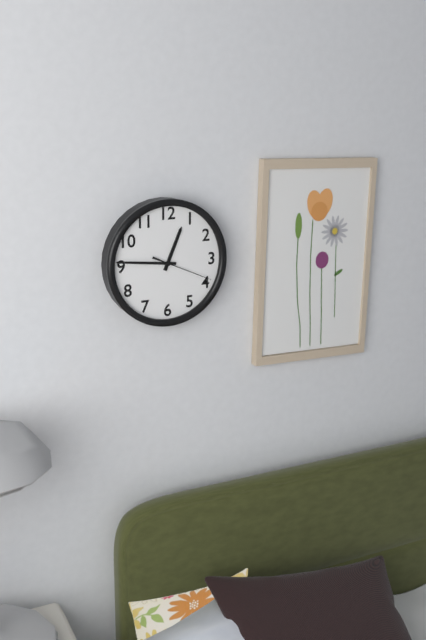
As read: {"hour": 12, "minute": 46, "second": 19}
